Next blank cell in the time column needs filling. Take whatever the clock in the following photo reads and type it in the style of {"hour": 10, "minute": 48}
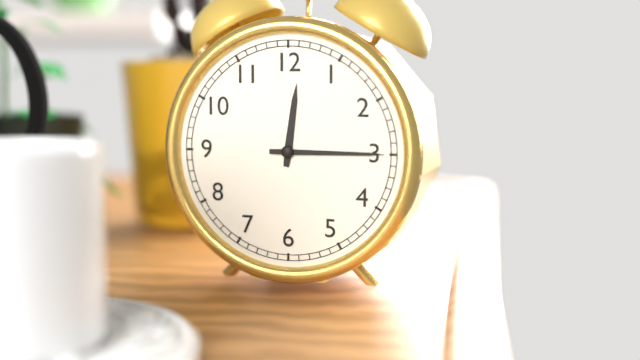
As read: {"hour": 12, "minute": 15}
